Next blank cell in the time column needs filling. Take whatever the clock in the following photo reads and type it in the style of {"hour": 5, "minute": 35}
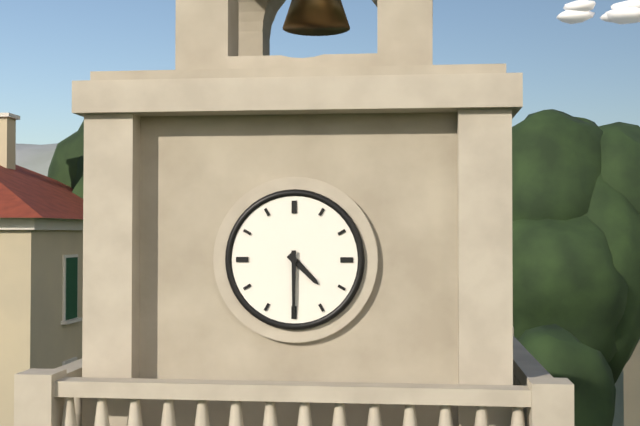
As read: {"hour": 4, "minute": 30}
